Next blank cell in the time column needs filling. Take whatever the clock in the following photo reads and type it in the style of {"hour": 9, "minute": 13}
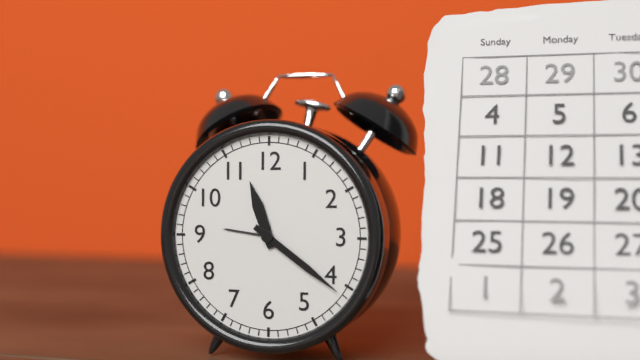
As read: {"hour": 11, "minute": 21}
